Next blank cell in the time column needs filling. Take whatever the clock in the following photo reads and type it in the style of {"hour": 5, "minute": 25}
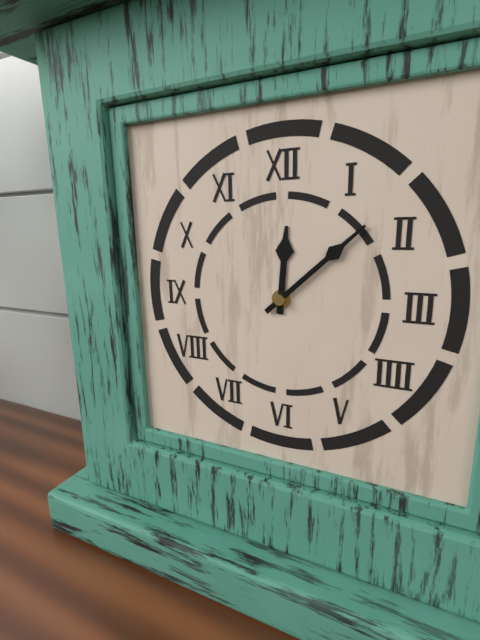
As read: {"hour": 12, "minute": 8}
